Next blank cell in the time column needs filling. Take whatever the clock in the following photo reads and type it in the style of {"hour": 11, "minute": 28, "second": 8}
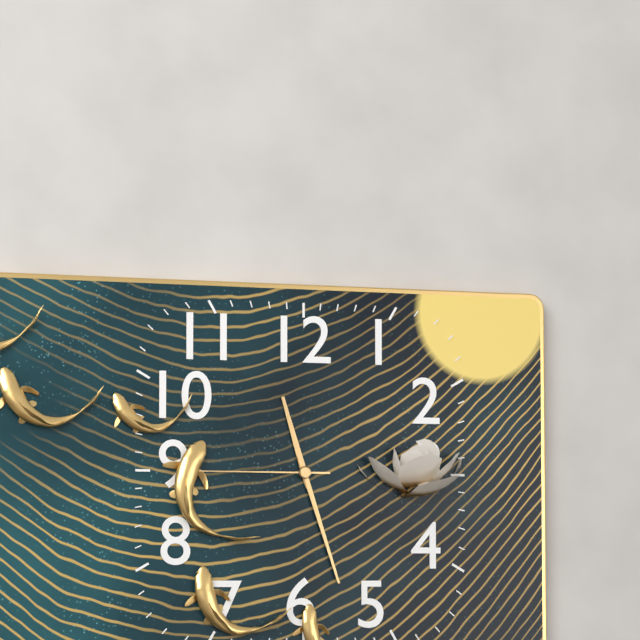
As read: {"hour": 11, "minute": 27, "second": 45}
